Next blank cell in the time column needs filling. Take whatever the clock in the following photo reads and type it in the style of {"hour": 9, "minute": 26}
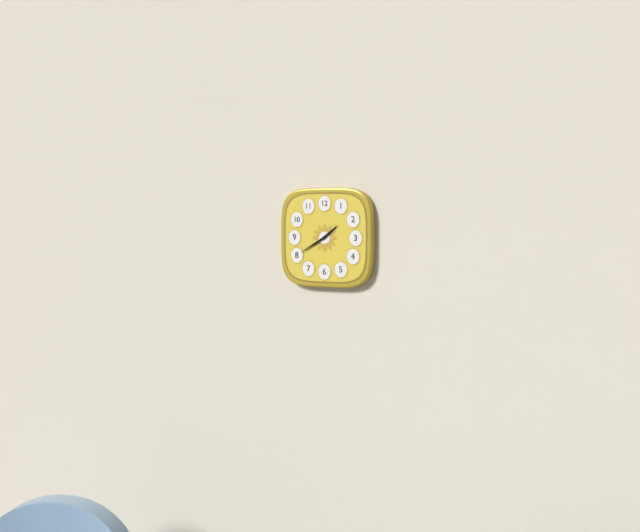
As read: {"hour": 1, "minute": 40}
